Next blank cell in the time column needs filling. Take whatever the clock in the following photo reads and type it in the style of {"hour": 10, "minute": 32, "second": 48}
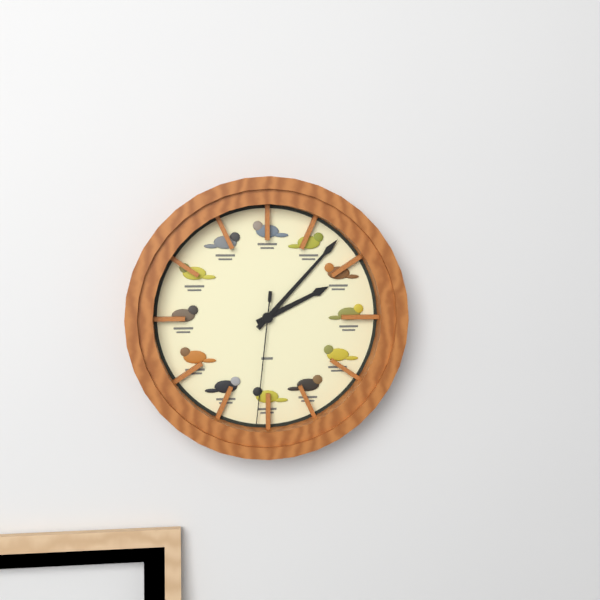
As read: {"hour": 2, "minute": 7, "second": 31}
